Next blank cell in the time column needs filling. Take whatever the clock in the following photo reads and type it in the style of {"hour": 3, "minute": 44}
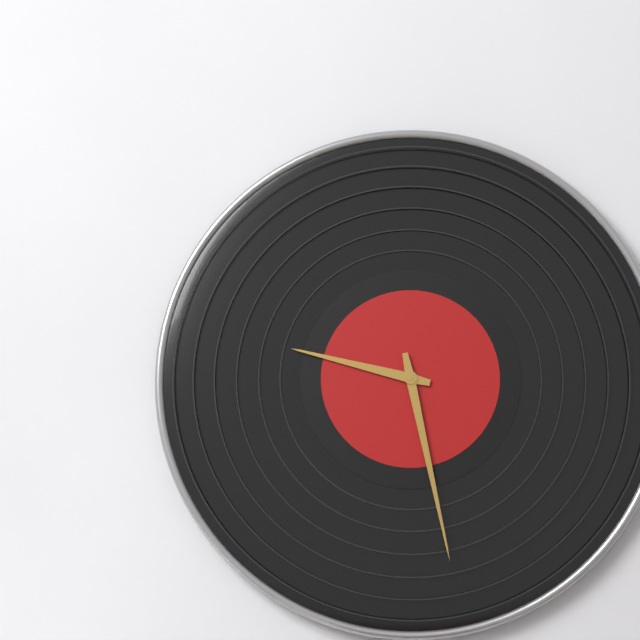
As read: {"hour": 9, "minute": 28}
